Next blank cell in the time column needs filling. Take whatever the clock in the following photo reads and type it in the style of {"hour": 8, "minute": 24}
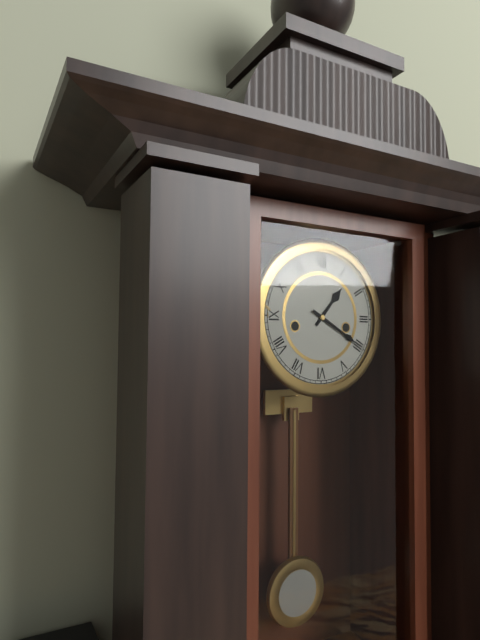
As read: {"hour": 1, "minute": 20}
